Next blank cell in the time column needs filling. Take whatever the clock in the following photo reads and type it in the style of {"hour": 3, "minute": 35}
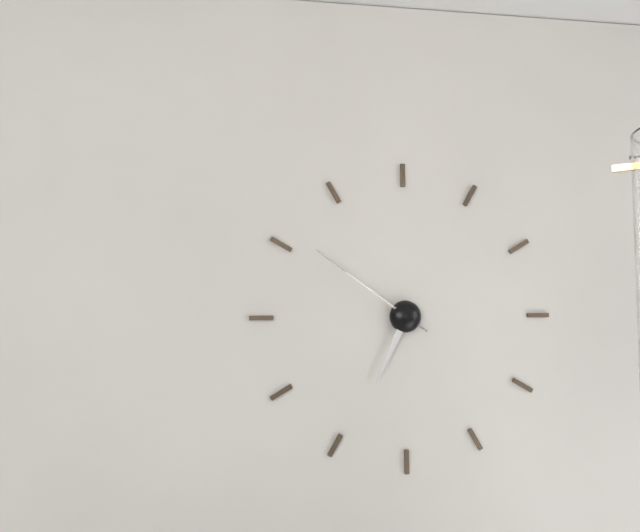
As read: {"hour": 6, "minute": 51}
